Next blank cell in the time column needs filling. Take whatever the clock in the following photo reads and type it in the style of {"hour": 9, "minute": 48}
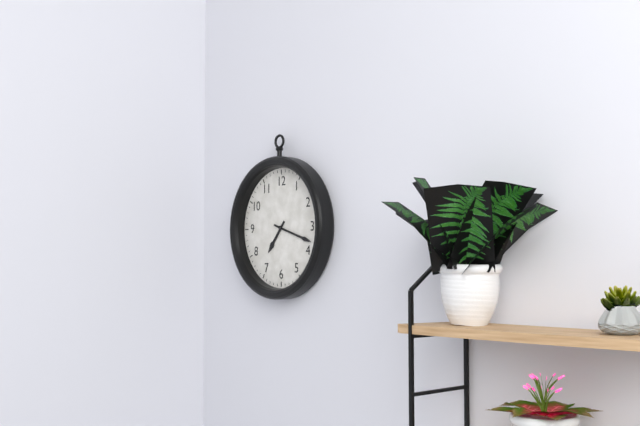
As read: {"hour": 7, "minute": 18}
